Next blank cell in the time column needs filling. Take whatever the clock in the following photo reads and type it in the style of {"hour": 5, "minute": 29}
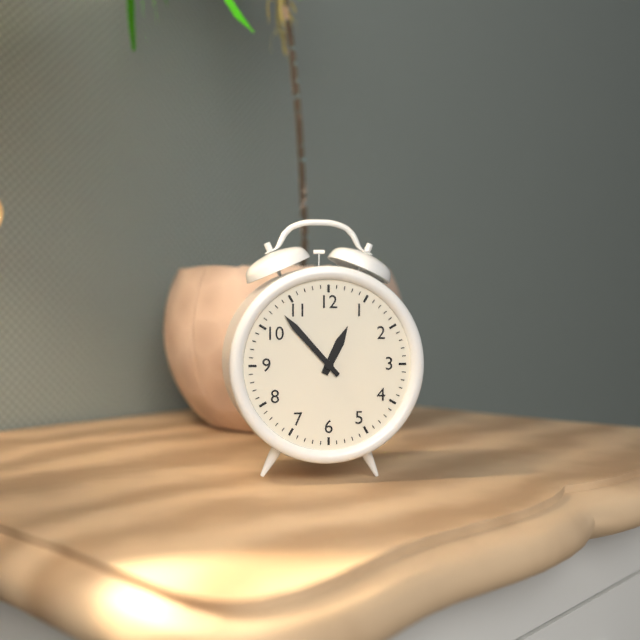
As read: {"hour": 12, "minute": 53}
